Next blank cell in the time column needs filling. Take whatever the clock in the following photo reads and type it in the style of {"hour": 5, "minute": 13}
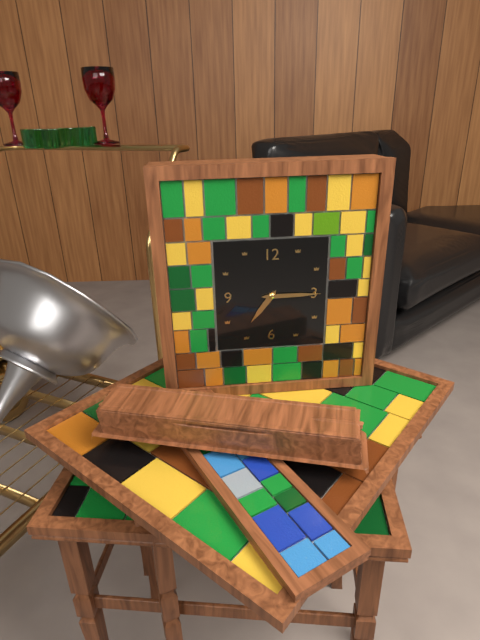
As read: {"hour": 7, "minute": 15}
